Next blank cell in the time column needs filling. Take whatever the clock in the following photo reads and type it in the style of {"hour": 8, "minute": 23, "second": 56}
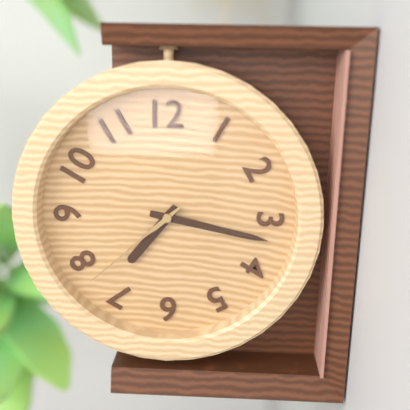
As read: {"hour": 7, "minute": 17, "second": 38}
